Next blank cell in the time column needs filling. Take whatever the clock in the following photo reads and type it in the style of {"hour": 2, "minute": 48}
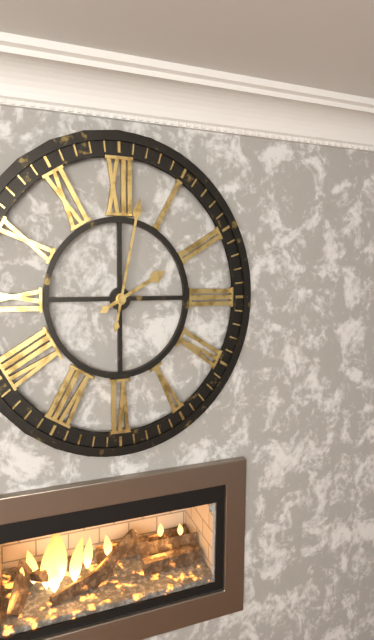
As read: {"hour": 2, "minute": 2}
